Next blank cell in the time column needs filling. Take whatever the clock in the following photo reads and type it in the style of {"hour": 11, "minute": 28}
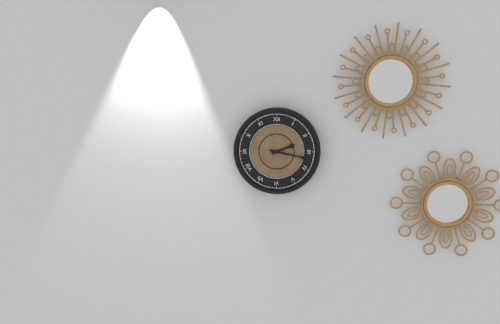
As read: {"hour": 2, "minute": 17}
